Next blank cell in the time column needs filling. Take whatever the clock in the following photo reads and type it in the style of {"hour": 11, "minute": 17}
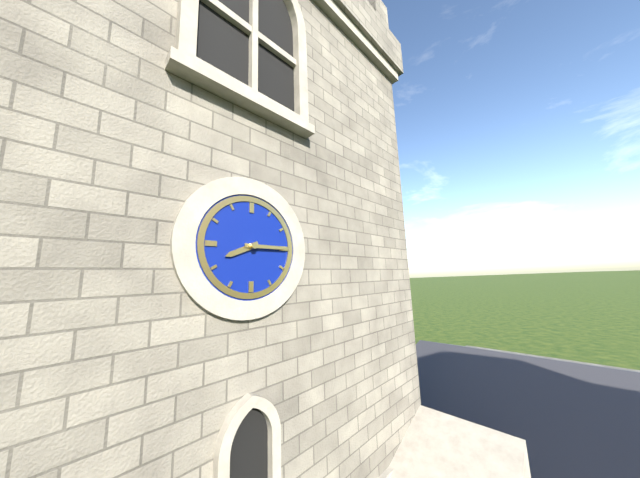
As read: {"hour": 8, "minute": 15}
